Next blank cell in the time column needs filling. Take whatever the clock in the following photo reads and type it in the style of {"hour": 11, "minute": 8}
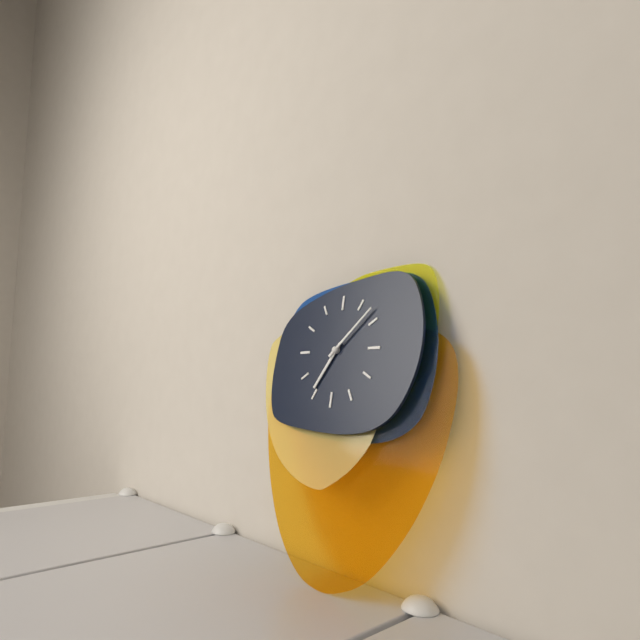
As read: {"hour": 7, "minute": 8}
